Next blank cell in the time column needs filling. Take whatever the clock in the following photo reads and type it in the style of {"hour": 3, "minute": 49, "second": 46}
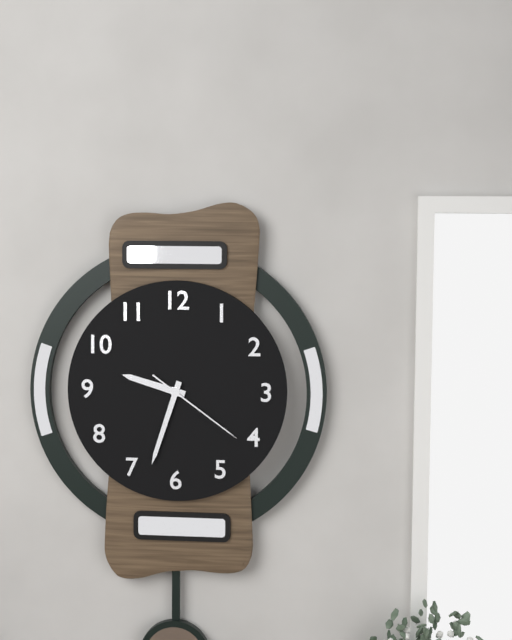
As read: {"hour": 9, "minute": 33, "second": 21}
